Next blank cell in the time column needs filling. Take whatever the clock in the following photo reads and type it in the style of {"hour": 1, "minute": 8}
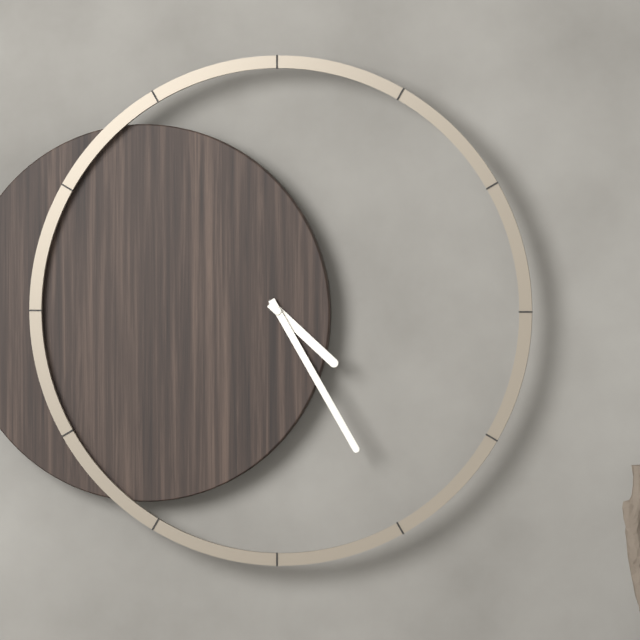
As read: {"hour": 4, "minute": 25}
